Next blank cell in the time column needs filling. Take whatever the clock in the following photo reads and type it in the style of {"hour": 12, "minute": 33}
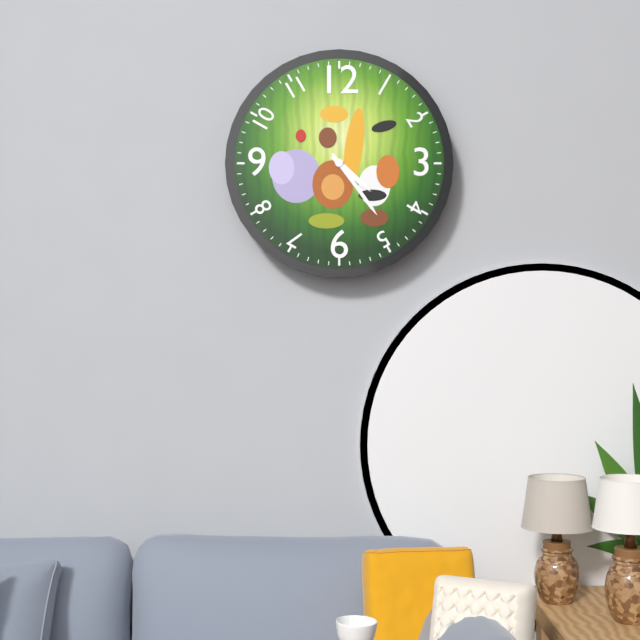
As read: {"hour": 4, "minute": 24}
